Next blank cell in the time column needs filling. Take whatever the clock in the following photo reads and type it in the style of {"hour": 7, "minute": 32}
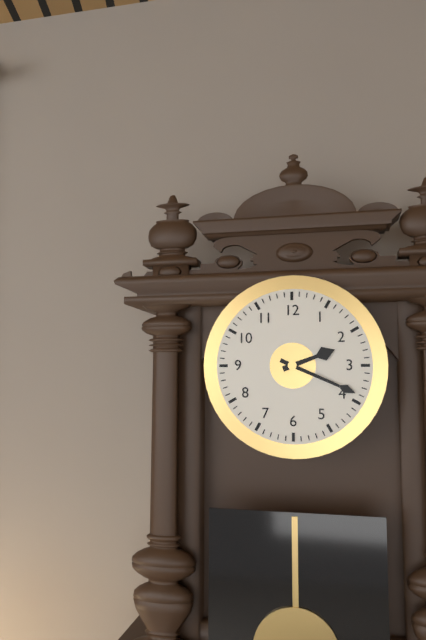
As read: {"hour": 2, "minute": 19}
